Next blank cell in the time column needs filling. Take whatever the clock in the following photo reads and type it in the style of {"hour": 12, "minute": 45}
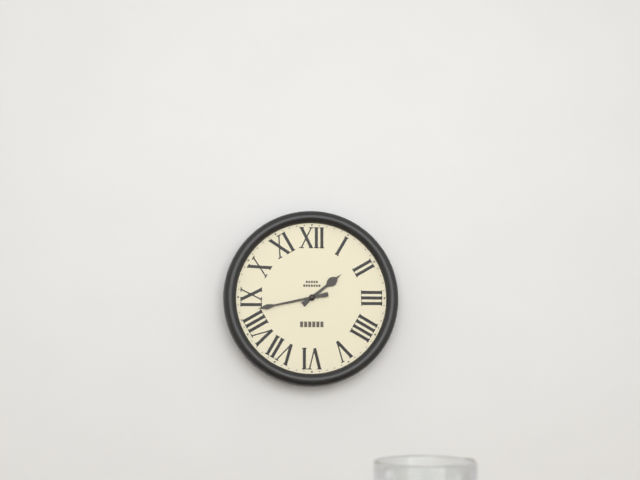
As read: {"hour": 1, "minute": 43}
